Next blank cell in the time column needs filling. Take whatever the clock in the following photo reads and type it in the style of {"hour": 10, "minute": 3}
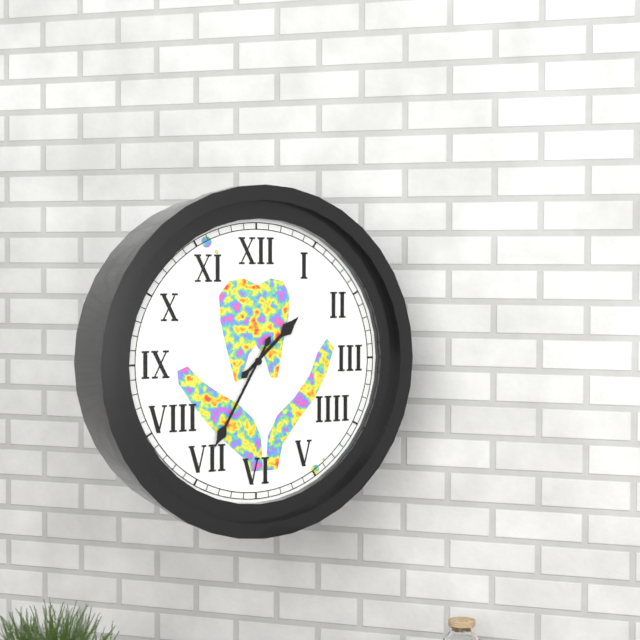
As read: {"hour": 1, "minute": 35}
